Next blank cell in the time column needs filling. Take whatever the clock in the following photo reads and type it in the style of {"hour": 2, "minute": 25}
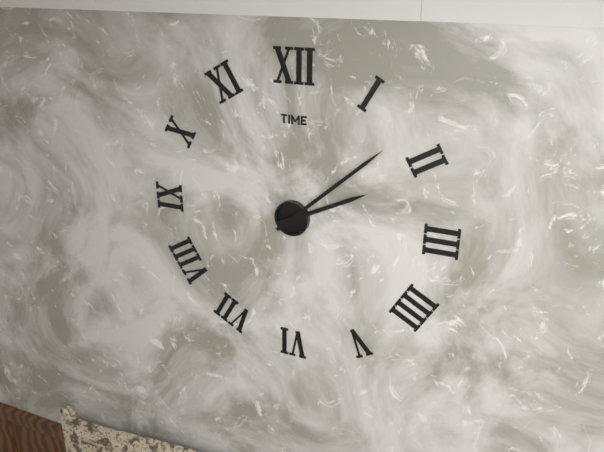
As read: {"hour": 2, "minute": 8}
